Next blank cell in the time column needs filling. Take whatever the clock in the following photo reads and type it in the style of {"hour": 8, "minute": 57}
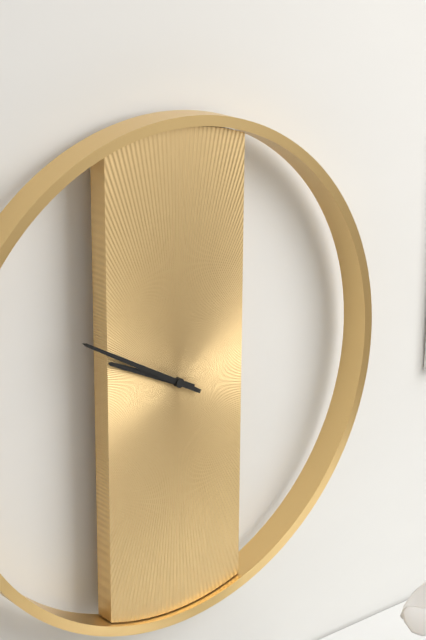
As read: {"hour": 9, "minute": 50}
